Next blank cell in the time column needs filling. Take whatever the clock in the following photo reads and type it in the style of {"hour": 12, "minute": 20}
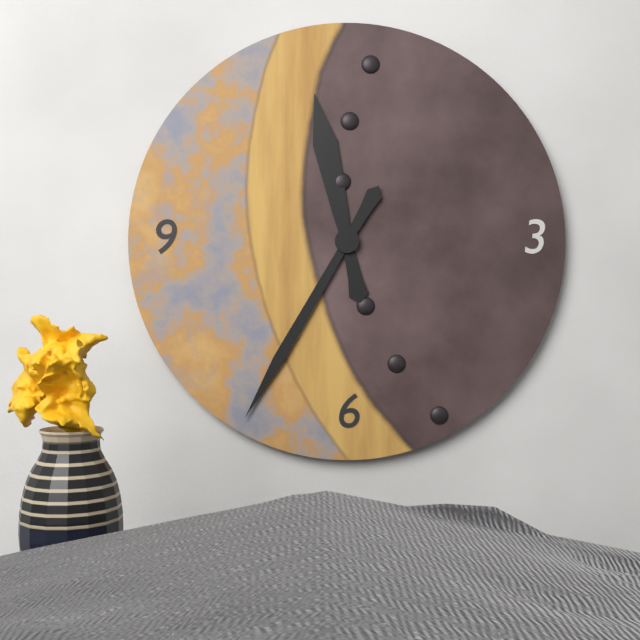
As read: {"hour": 11, "minute": 35}
